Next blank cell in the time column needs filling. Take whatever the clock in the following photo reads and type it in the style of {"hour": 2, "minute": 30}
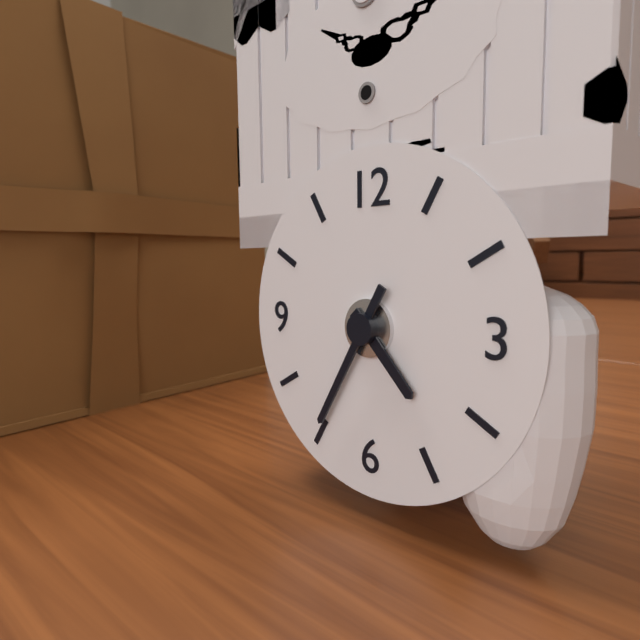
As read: {"hour": 4, "minute": 35}
